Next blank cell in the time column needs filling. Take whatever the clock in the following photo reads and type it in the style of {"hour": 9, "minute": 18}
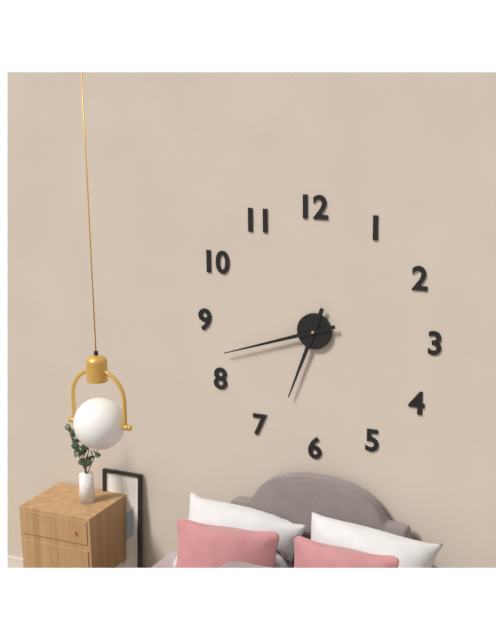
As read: {"hour": 6, "minute": 42}
